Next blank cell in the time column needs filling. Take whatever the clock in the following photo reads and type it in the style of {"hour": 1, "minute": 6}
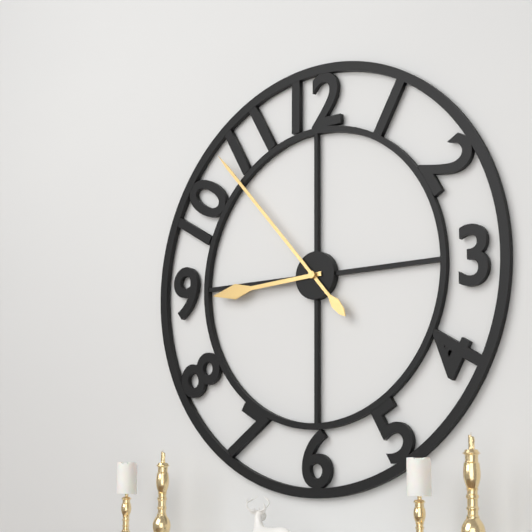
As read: {"hour": 8, "minute": 53}
